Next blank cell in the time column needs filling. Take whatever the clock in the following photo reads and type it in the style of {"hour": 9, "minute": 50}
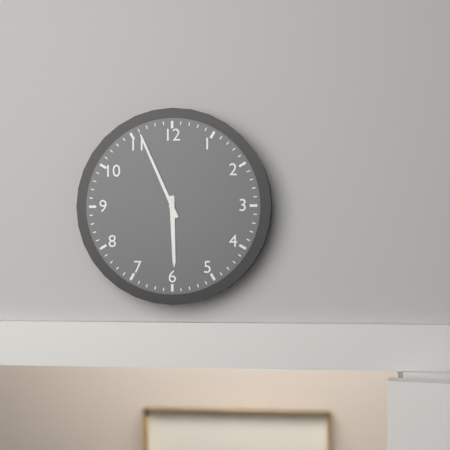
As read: {"hour": 5, "minute": 56}
